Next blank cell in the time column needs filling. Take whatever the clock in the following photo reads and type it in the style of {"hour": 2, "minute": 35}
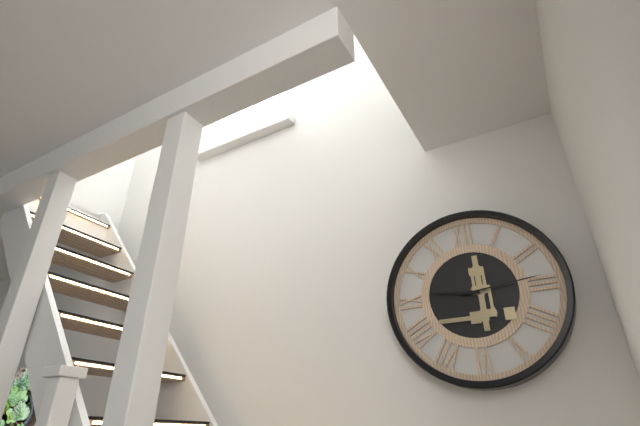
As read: {"hour": 9, "minute": 14}
